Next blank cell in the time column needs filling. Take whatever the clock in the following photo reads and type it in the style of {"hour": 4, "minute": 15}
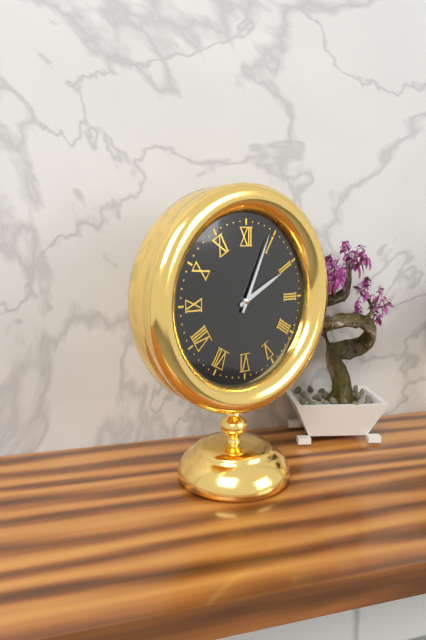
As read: {"hour": 2, "minute": 4}
